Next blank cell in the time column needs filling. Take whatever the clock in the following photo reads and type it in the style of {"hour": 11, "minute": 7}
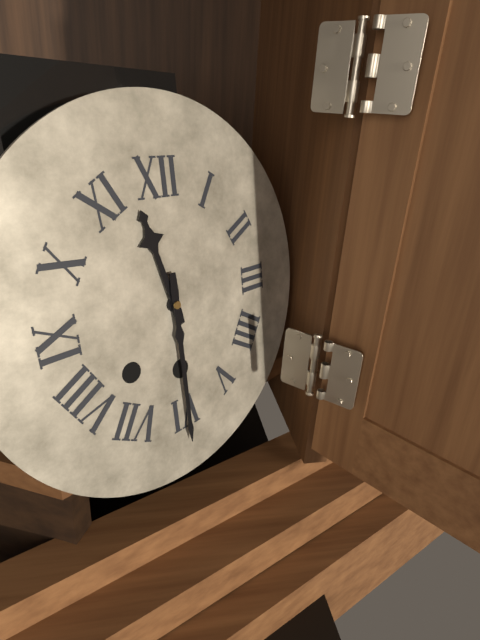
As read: {"hour": 11, "minute": 30}
